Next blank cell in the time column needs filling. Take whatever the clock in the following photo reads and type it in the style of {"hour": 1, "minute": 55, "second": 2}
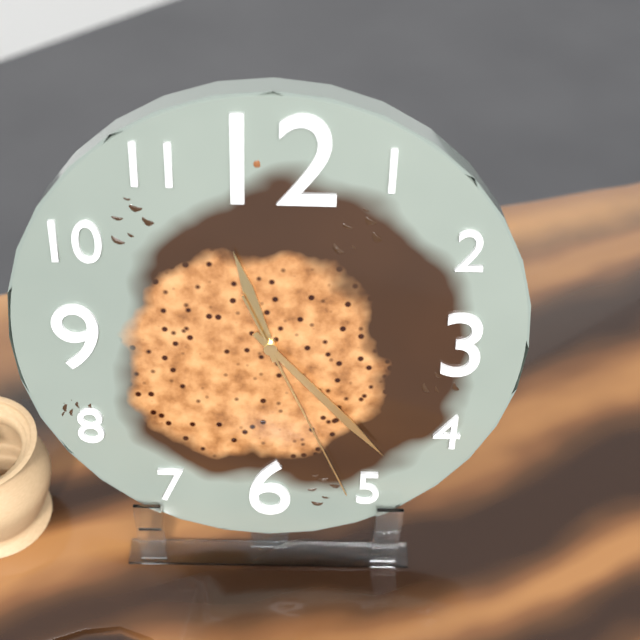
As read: {"hour": 11, "minute": 23, "second": 26}
